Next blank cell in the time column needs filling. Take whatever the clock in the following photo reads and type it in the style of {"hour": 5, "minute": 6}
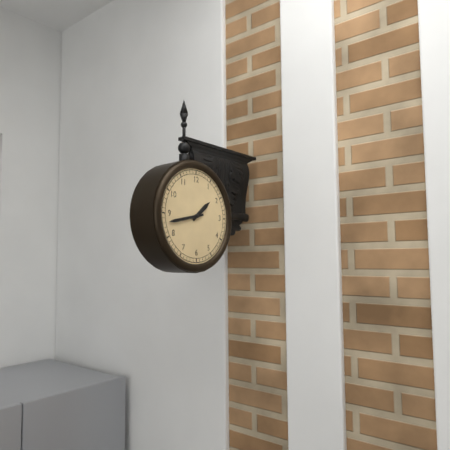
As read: {"hour": 1, "minute": 43}
